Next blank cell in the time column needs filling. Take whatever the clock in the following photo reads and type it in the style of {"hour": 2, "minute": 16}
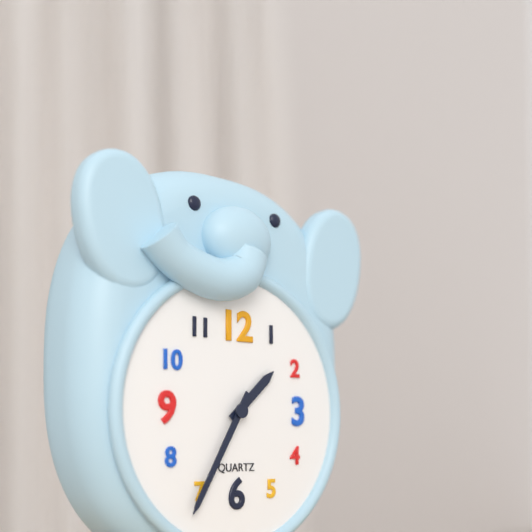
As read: {"hour": 1, "minute": 35}
